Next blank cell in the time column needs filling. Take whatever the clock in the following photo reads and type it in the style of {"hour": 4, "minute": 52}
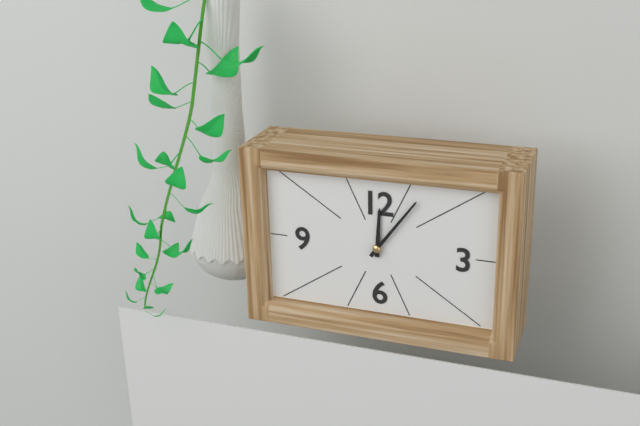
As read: {"hour": 12, "minute": 6}
